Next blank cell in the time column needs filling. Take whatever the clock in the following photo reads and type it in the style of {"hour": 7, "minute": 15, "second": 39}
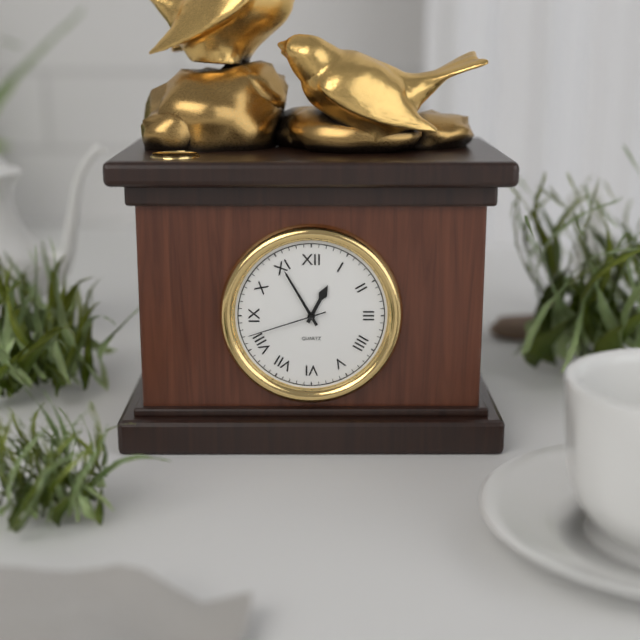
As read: {"hour": 12, "minute": 55, "second": 42}
